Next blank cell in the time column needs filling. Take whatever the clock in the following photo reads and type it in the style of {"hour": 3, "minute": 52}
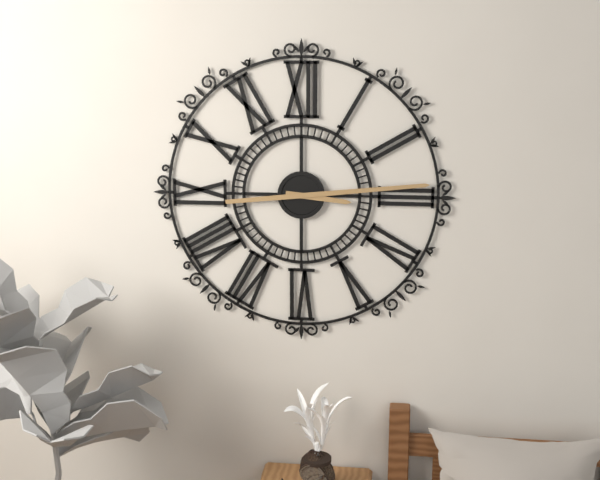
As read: {"hour": 3, "minute": 14}
